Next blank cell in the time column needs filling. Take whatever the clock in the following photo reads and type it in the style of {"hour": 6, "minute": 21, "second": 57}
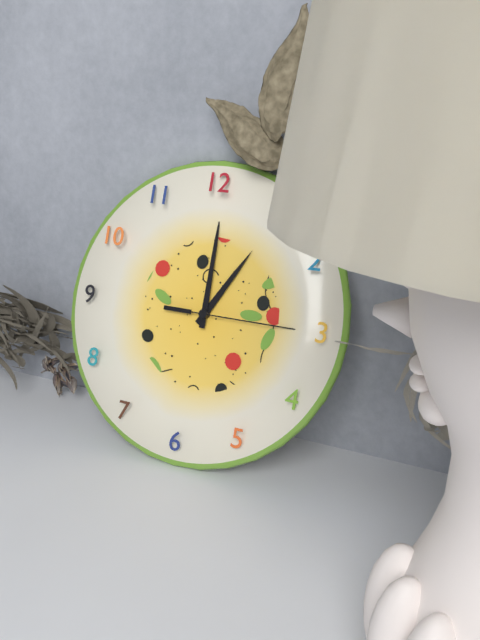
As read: {"hour": 1, "minute": 0, "second": 15}
